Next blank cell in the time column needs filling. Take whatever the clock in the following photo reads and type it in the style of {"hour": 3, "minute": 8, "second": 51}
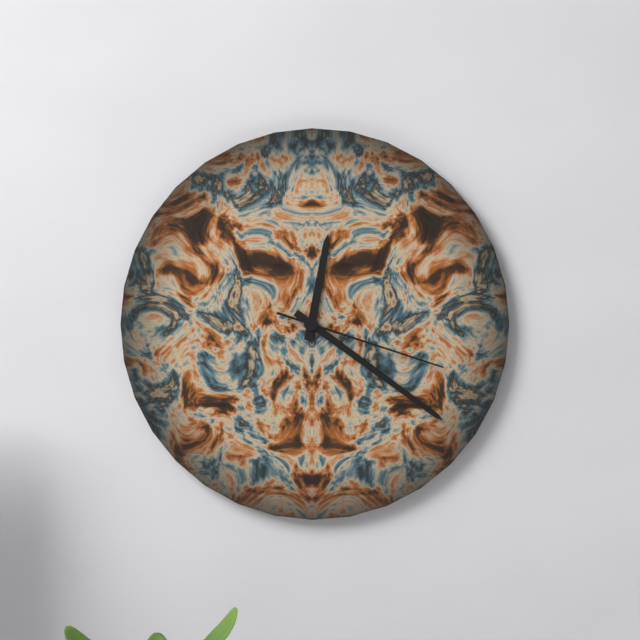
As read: {"hour": 12, "minute": 21, "second": 18}
